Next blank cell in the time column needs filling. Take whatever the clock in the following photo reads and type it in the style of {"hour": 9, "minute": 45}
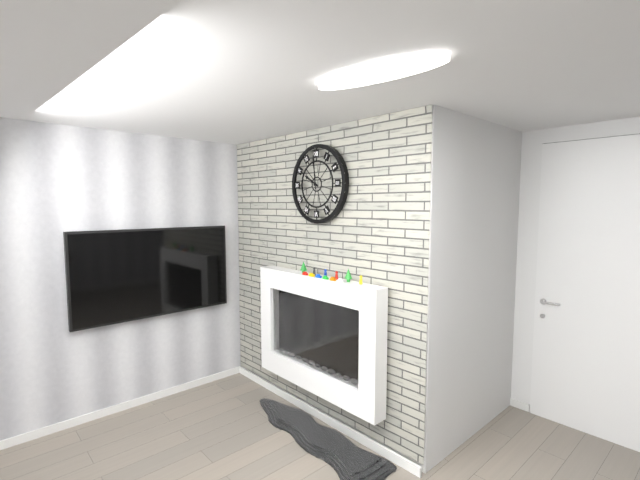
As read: {"hour": 9, "minute": 59}
